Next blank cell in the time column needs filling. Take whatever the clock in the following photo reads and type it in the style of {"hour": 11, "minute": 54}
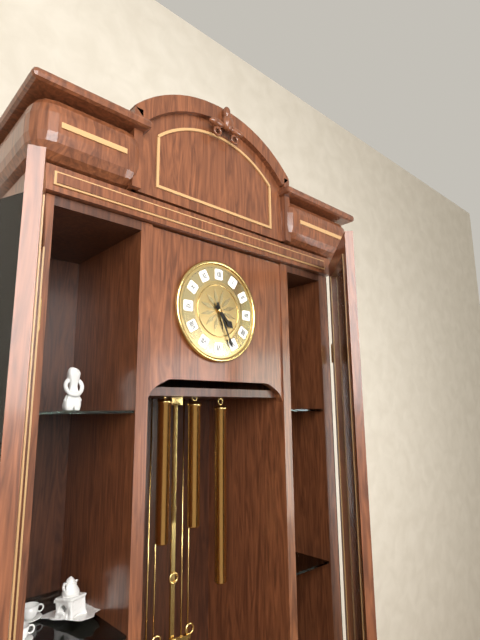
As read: {"hour": 4, "minute": 26}
